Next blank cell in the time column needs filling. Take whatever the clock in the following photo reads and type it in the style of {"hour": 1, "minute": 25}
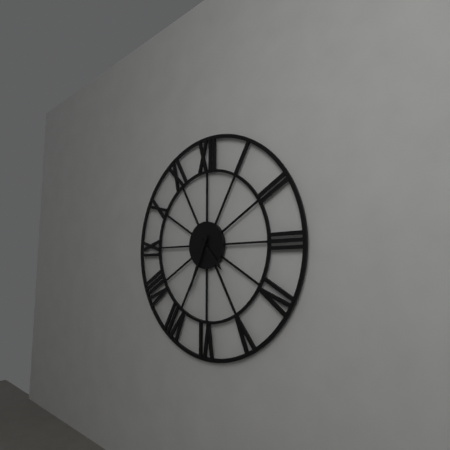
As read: {"hour": 4, "minute": 34}
